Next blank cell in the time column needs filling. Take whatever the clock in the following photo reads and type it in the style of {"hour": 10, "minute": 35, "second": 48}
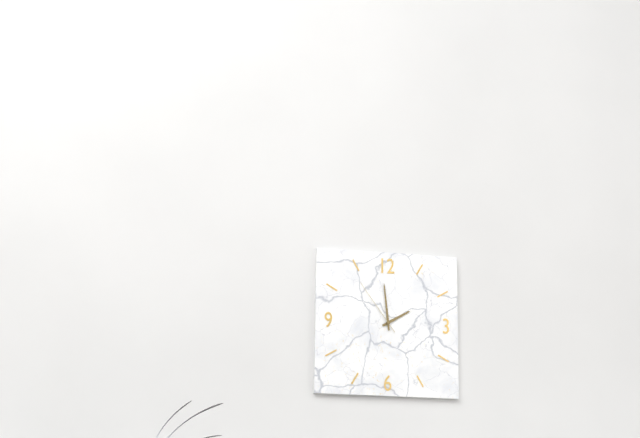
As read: {"hour": 1, "minute": 59, "second": 54}
